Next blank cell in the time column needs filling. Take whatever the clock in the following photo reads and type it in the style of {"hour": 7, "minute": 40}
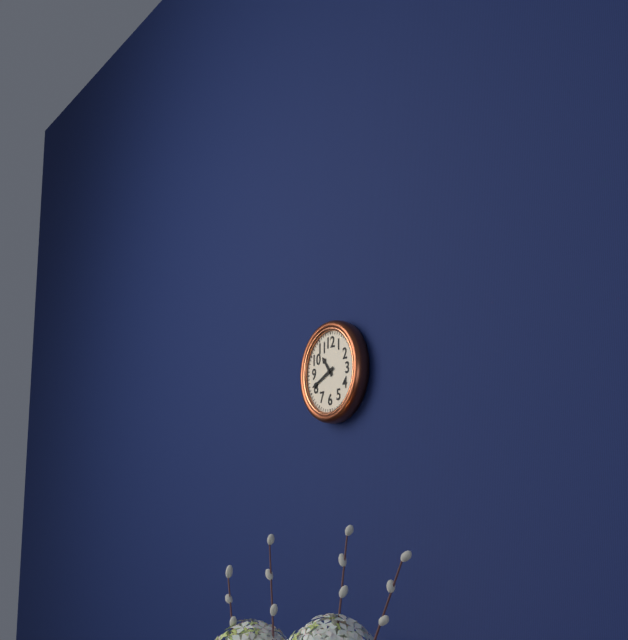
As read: {"hour": 10, "minute": 41}
